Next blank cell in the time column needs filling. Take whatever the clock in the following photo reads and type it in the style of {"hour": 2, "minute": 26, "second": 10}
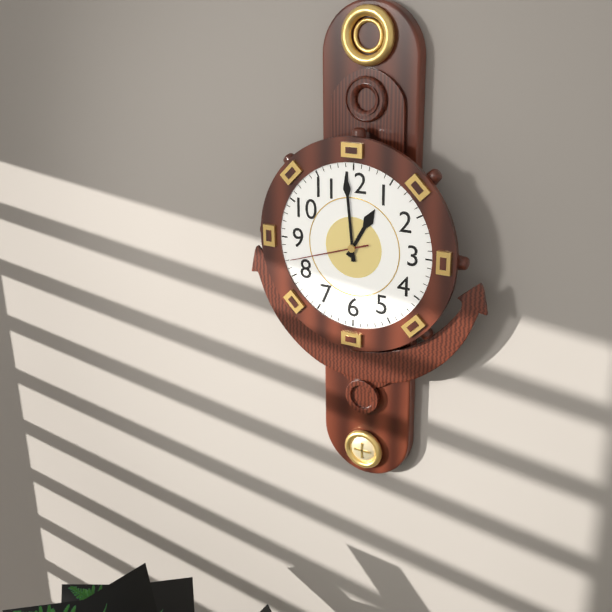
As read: {"hour": 12, "minute": 59, "second": 42}
